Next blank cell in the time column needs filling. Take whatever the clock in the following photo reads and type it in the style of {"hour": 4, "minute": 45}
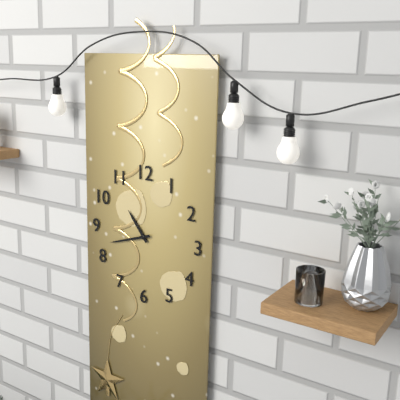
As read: {"hour": 10, "minute": 42}
